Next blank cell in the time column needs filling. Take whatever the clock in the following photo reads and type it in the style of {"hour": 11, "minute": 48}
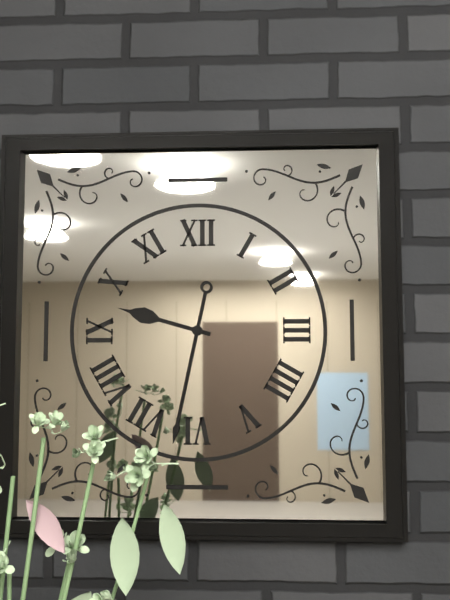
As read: {"hour": 9, "minute": 32}
